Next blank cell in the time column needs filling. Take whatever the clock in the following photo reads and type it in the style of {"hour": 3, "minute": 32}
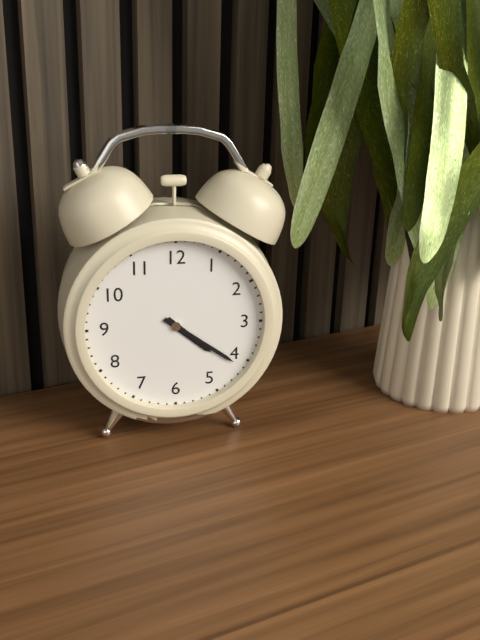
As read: {"hour": 4, "minute": 21}
